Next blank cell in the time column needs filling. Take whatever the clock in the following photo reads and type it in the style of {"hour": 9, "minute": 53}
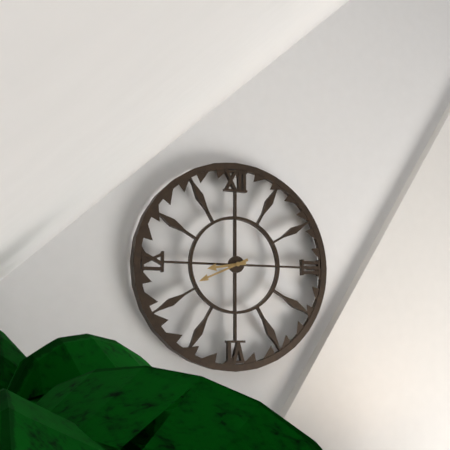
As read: {"hour": 8, "minute": 41}
